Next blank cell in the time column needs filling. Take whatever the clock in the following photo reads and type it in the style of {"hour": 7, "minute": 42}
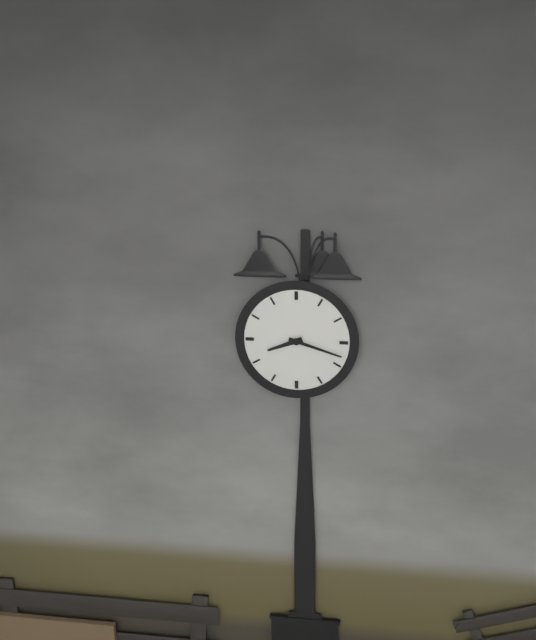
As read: {"hour": 8, "minute": 18}
